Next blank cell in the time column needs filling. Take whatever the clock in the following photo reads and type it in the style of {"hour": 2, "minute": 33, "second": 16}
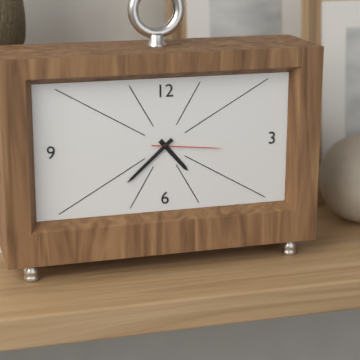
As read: {"hour": 4, "minute": 38, "second": 16}
